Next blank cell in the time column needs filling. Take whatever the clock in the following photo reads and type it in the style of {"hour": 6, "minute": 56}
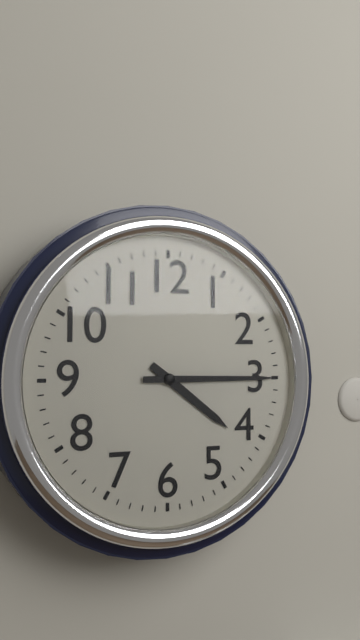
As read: {"hour": 4, "minute": 15}
